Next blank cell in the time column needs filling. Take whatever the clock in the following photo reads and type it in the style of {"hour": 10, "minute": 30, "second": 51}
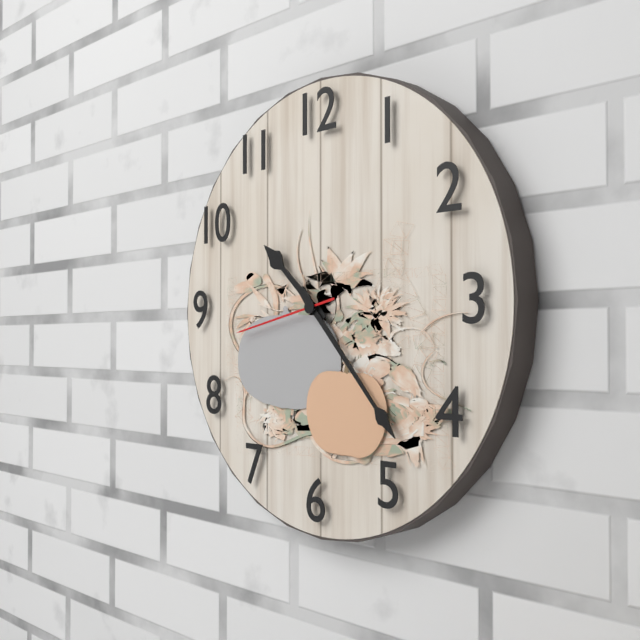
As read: {"hour": 10, "minute": 23, "second": 43}
